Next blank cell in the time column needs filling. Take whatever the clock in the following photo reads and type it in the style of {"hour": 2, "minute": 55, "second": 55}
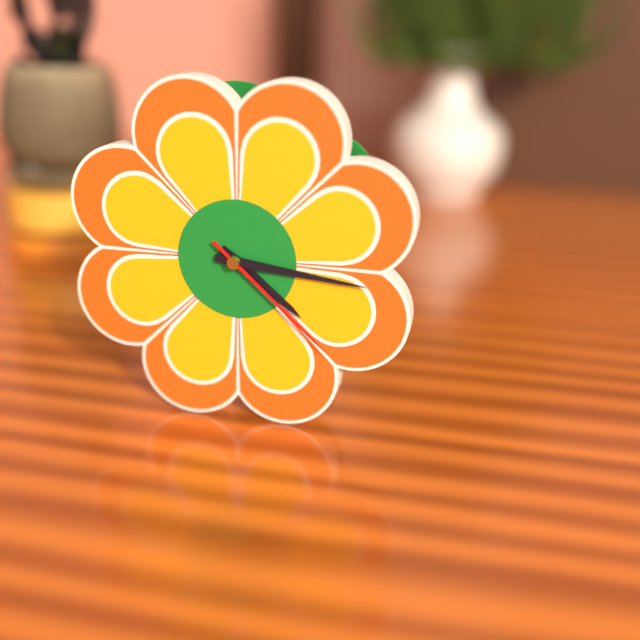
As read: {"hour": 4, "minute": 16, "second": 22}
